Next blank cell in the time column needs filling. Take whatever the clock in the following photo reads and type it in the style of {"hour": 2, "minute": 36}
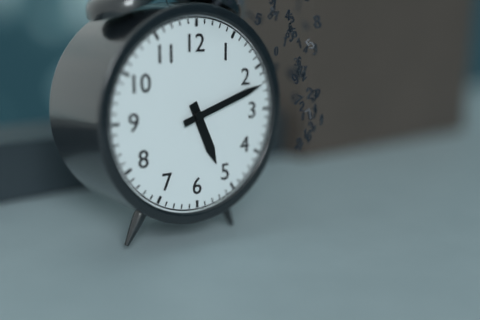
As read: {"hour": 5, "minute": 12}
